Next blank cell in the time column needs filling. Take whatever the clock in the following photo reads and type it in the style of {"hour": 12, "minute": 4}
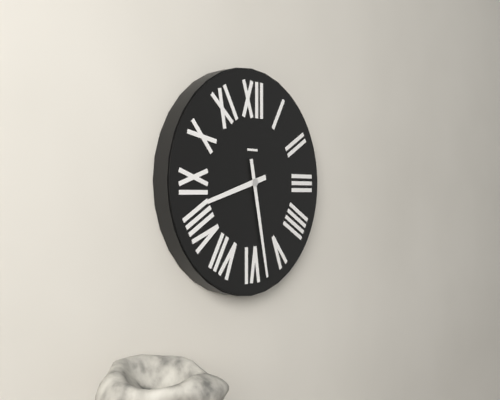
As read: {"hour": 8, "minute": 28}
